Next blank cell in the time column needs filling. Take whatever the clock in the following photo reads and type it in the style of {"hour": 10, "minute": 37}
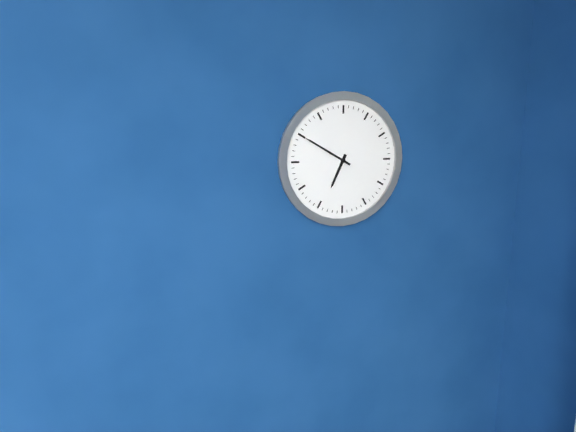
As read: {"hour": 6, "minute": 50}
